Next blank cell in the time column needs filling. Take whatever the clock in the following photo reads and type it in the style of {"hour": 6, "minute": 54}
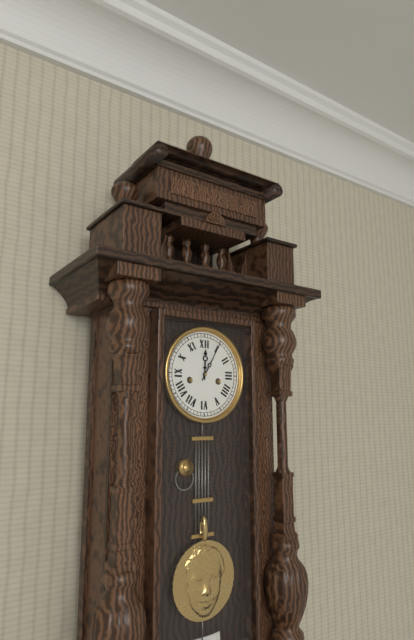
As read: {"hour": 12, "minute": 5}
